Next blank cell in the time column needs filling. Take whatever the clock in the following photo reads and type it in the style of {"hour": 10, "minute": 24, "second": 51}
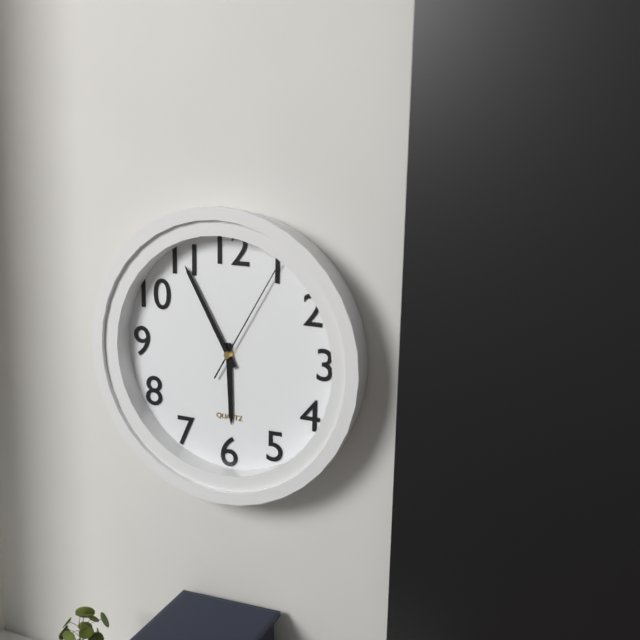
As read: {"hour": 5, "minute": 55, "second": 5}
